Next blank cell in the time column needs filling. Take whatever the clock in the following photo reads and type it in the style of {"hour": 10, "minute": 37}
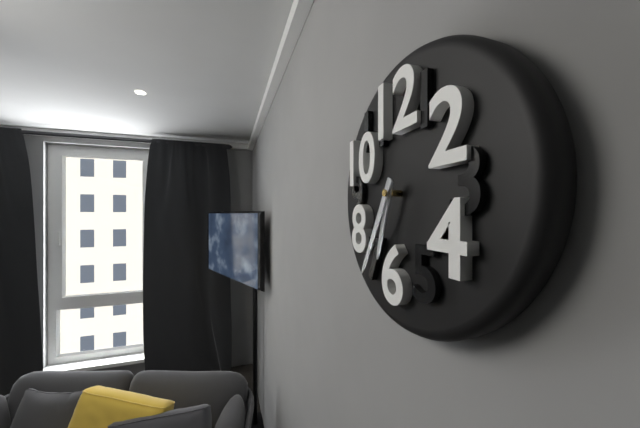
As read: {"hour": 6, "minute": 35}
